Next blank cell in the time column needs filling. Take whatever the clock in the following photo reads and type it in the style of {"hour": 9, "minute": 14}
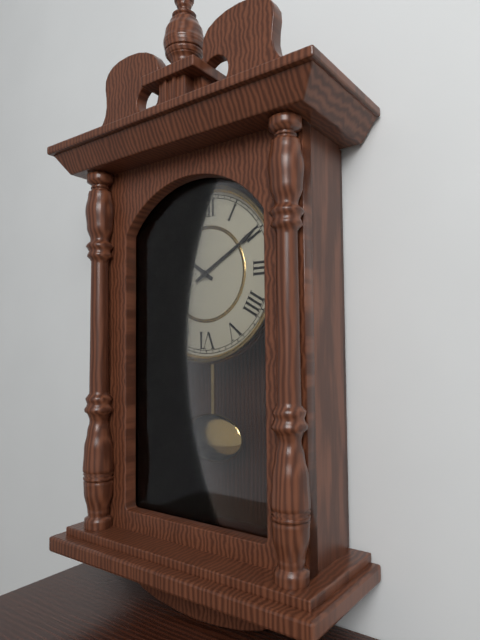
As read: {"hour": 10, "minute": 10}
